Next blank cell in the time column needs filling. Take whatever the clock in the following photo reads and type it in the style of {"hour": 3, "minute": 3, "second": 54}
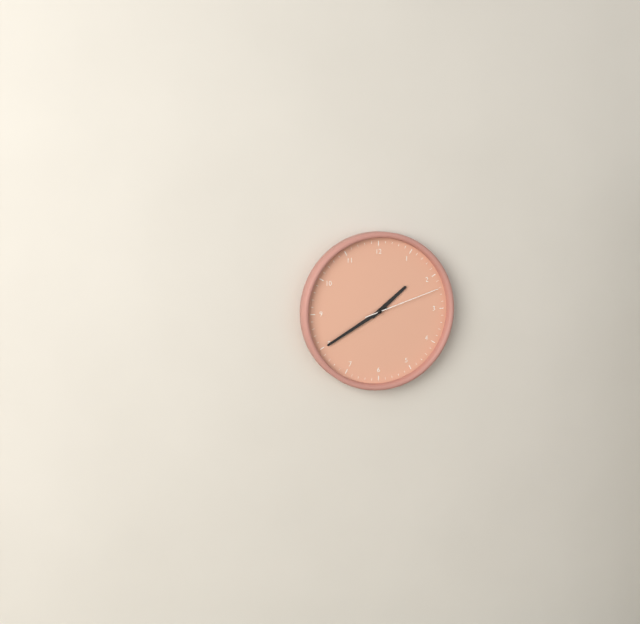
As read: {"hour": 1, "minute": 40, "second": 12}
